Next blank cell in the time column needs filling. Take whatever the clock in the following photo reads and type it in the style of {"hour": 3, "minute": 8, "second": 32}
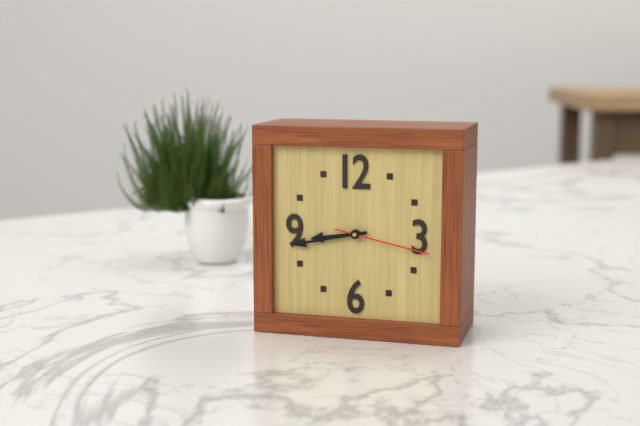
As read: {"hour": 8, "minute": 43, "second": 17}
